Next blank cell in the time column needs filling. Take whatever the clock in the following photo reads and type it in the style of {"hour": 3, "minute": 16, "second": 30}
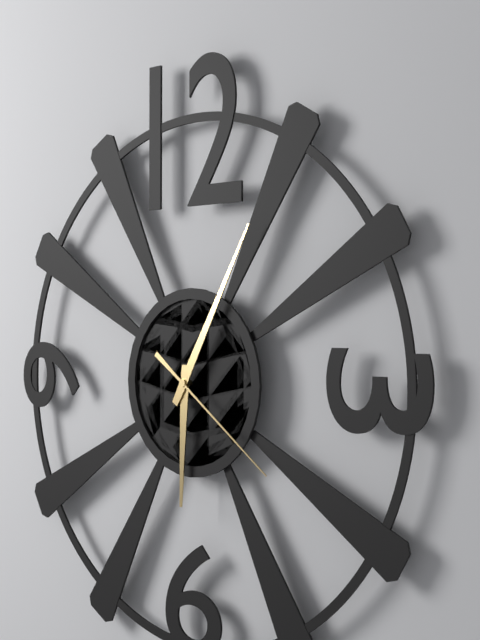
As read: {"hour": 6, "minute": 5, "second": 21}
